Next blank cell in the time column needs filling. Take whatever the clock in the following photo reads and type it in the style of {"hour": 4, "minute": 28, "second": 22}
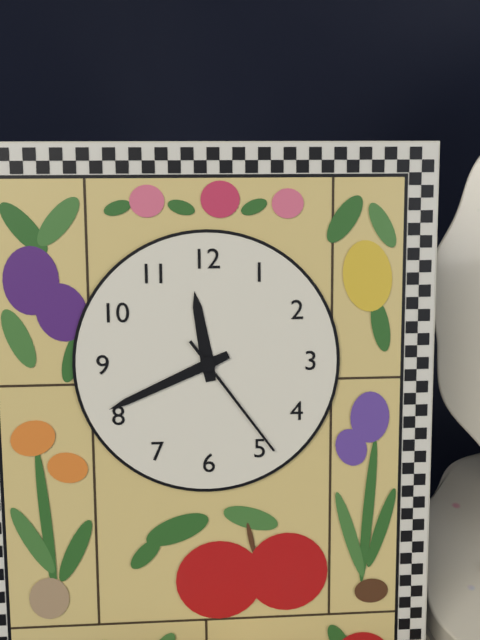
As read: {"hour": 11, "minute": 41, "second": 24}
